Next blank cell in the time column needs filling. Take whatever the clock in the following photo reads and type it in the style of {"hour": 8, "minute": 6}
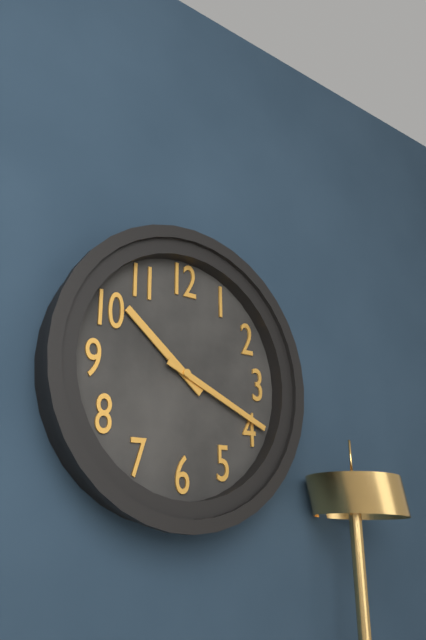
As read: {"hour": 10, "minute": 19}
